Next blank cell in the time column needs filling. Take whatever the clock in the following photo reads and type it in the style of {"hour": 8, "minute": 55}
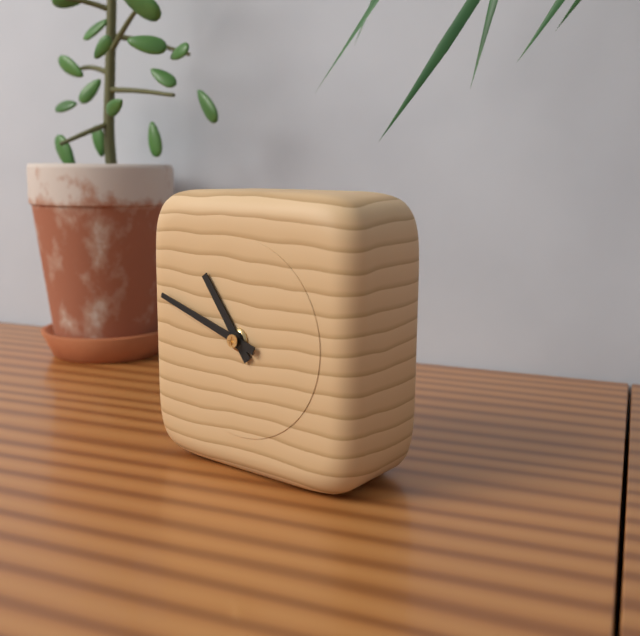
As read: {"hour": 10, "minute": 48}
